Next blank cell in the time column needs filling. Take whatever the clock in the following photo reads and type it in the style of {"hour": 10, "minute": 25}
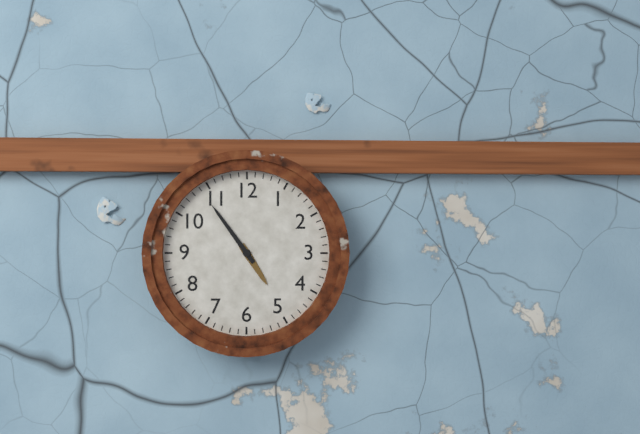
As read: {"hour": 4, "minute": 54}
